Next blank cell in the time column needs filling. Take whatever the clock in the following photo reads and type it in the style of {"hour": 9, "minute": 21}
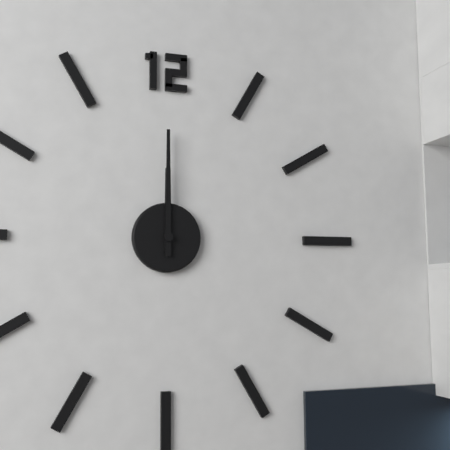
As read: {"hour": 12, "minute": 0}
